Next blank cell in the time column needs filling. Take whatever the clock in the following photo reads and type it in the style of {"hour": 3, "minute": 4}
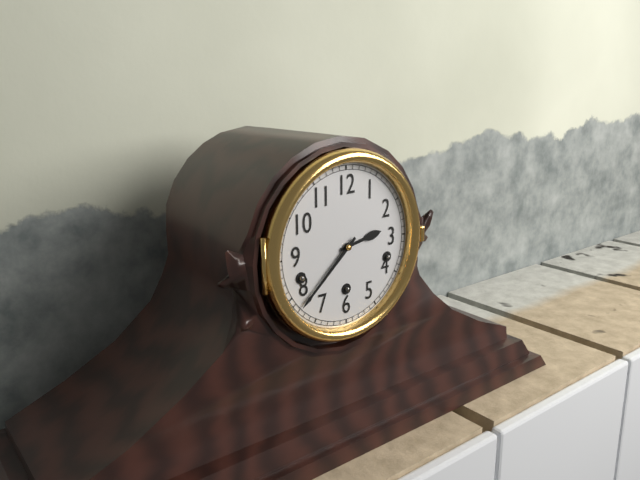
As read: {"hour": 2, "minute": 38}
